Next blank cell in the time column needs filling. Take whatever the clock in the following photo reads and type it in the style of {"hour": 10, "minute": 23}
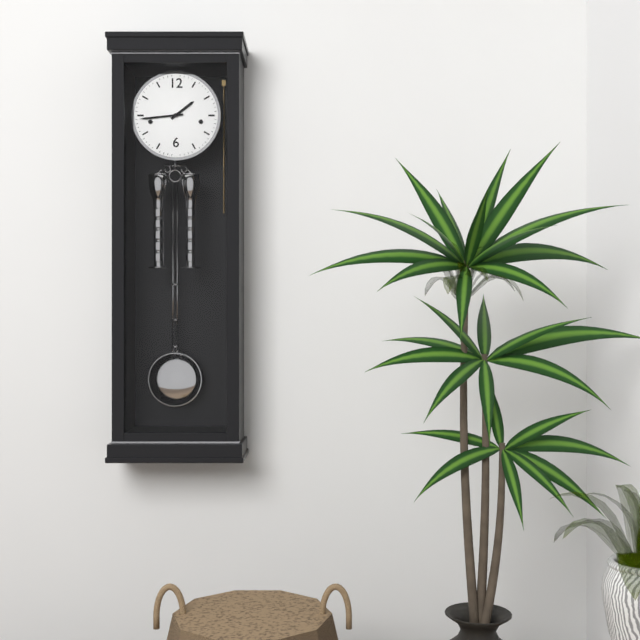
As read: {"hour": 1, "minute": 44}
